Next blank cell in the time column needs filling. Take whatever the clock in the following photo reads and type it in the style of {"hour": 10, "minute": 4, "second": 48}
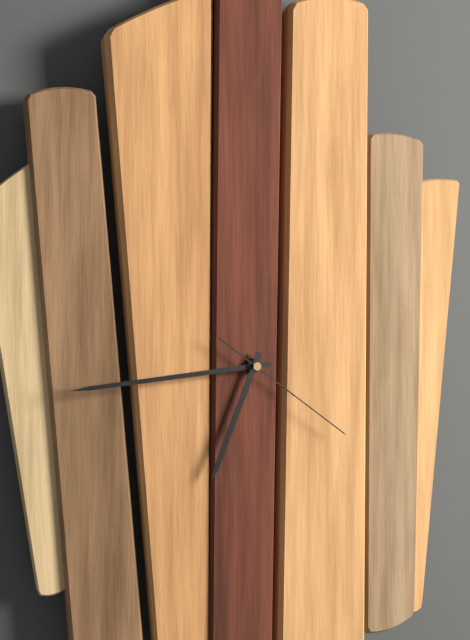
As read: {"hour": 6, "minute": 44, "second": 21}
